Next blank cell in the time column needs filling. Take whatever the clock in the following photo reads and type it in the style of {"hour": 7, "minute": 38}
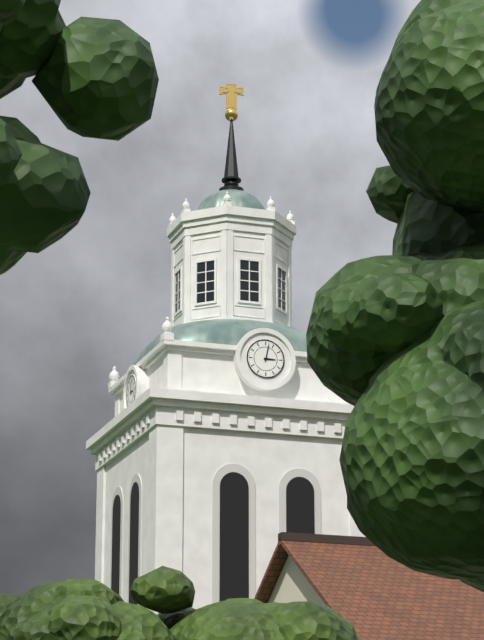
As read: {"hour": 3, "minute": 2}
